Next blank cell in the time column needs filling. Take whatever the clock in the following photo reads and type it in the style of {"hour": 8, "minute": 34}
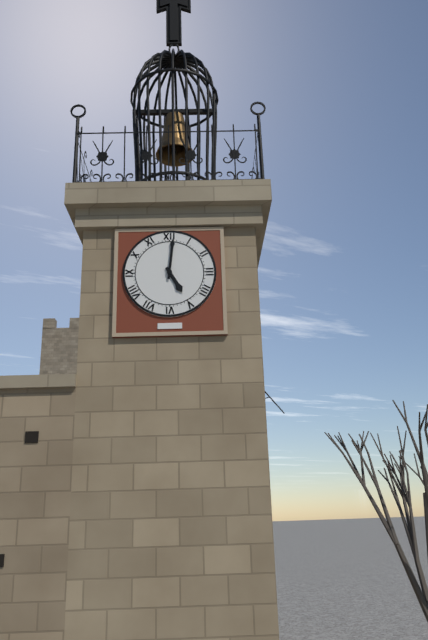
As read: {"hour": 5, "minute": 1}
